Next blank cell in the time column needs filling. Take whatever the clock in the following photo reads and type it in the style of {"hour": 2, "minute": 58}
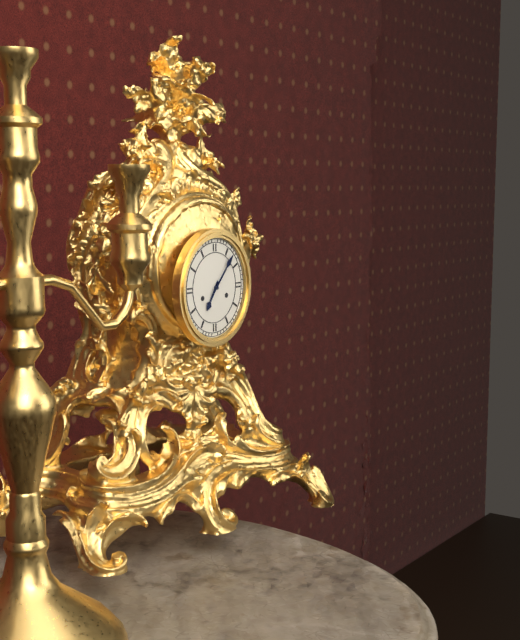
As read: {"hour": 7, "minute": 7}
